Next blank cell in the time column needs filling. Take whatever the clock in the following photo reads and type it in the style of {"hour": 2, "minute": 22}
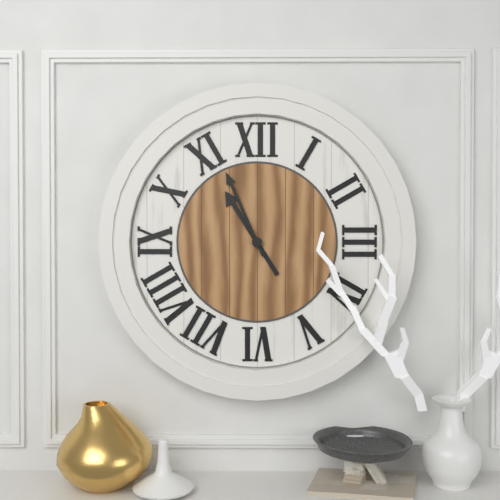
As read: {"hour": 10, "minute": 56}
